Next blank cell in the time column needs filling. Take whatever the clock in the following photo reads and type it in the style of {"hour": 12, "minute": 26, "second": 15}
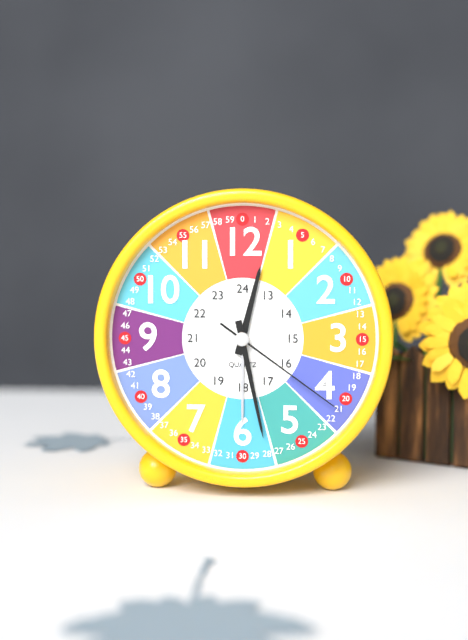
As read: {"hour": 12, "minute": 28, "second": 21}
